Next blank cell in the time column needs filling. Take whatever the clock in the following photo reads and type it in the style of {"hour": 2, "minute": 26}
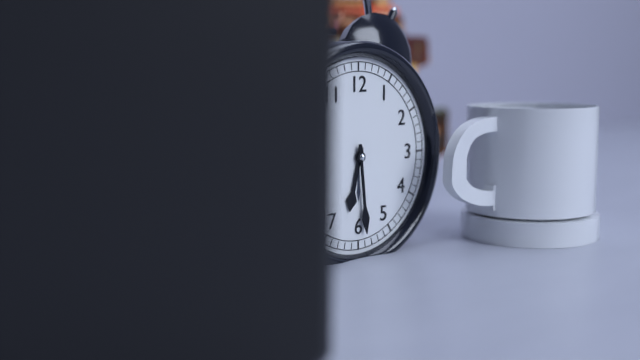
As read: {"hour": 6, "minute": 29}
